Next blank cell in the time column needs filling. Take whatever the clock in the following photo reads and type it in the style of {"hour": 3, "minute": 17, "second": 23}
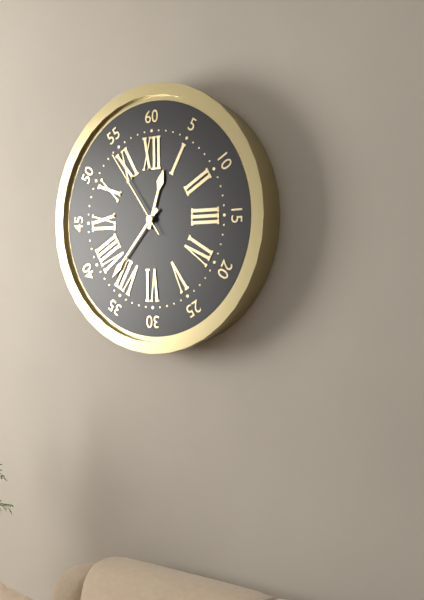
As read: {"hour": 12, "minute": 37, "second": 54}
